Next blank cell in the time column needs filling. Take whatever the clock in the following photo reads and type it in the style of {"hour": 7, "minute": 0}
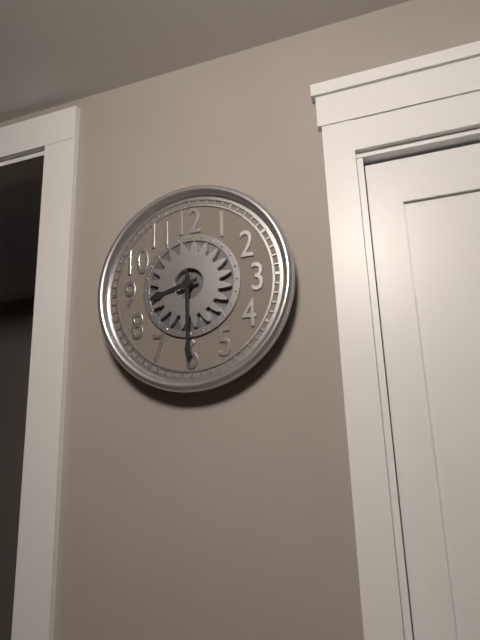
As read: {"hour": 8, "minute": 30}
